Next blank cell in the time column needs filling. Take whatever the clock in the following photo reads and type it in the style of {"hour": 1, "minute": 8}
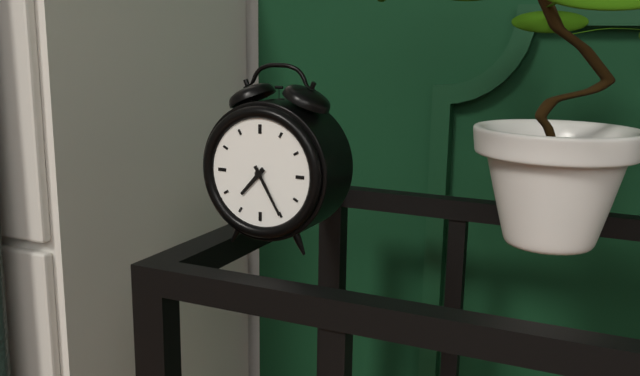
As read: {"hour": 7, "minute": 25}
